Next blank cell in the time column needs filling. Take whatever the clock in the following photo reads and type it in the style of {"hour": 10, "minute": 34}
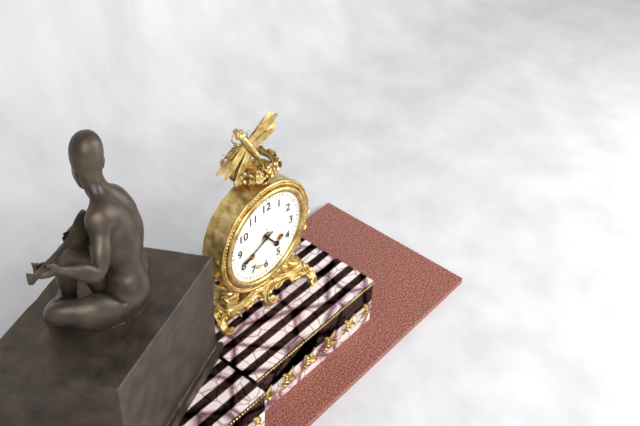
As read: {"hour": 4, "minute": 41}
